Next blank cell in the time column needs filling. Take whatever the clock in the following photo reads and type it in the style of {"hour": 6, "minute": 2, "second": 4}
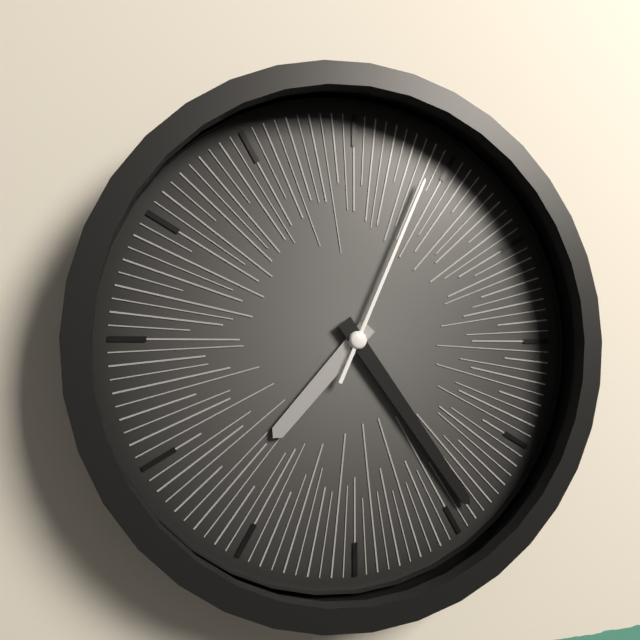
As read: {"hour": 7, "minute": 24, "second": 4}
